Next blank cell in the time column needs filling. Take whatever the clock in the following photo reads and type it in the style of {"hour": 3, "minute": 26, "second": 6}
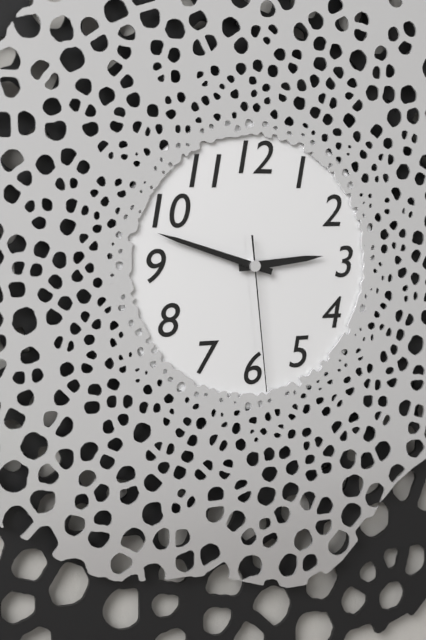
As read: {"hour": 2, "minute": 48, "second": 29}
